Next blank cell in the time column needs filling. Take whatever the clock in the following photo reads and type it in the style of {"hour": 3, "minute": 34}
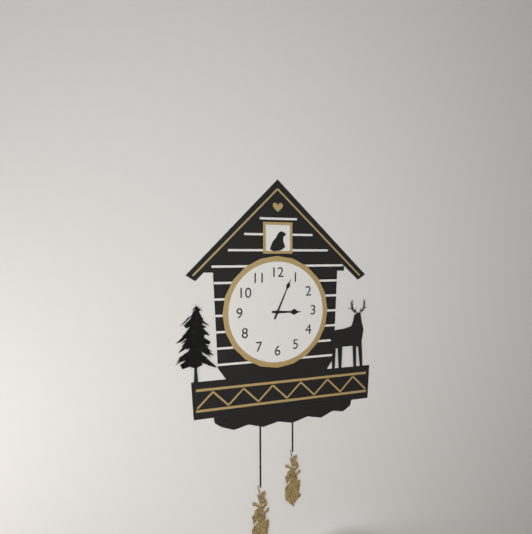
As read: {"hour": 3, "minute": 4}
